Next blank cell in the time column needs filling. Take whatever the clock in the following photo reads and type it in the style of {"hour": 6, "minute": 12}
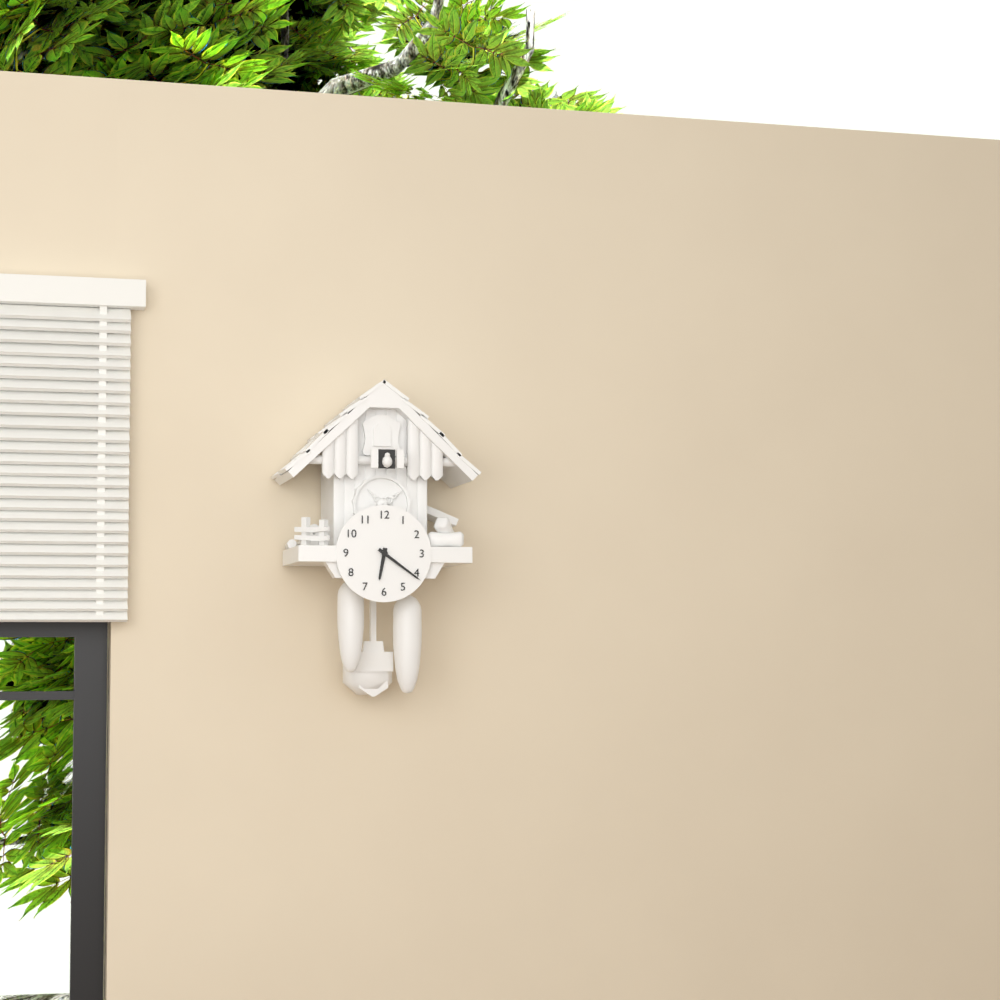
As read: {"hour": 6, "minute": 21}
